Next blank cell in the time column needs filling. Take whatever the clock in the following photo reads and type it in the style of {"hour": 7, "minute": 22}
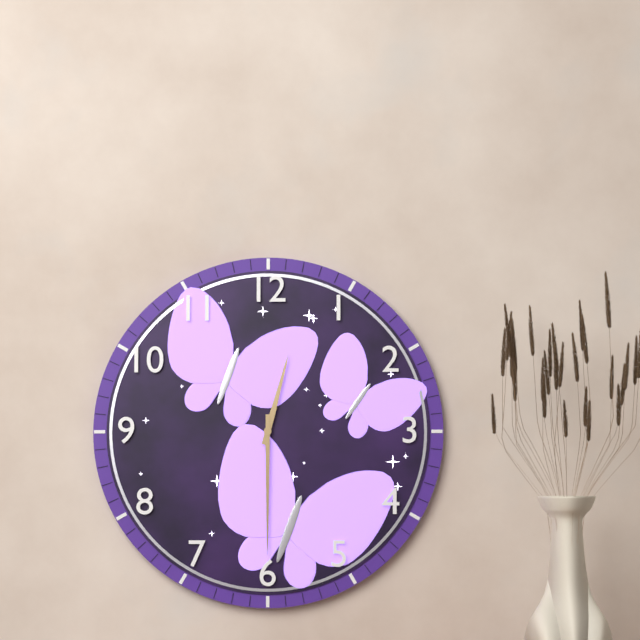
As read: {"hour": 12, "minute": 30}
